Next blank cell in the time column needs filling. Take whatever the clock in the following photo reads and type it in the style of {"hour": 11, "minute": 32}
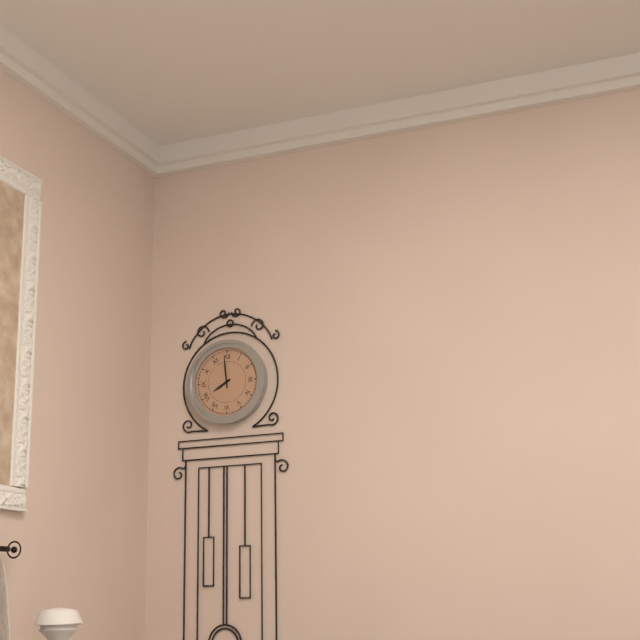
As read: {"hour": 7, "minute": 59}
